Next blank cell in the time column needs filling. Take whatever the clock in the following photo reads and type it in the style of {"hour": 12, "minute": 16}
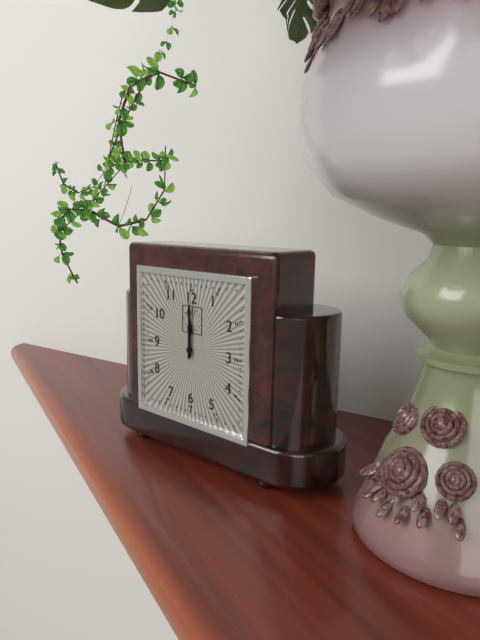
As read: {"hour": 12, "minute": 0}
